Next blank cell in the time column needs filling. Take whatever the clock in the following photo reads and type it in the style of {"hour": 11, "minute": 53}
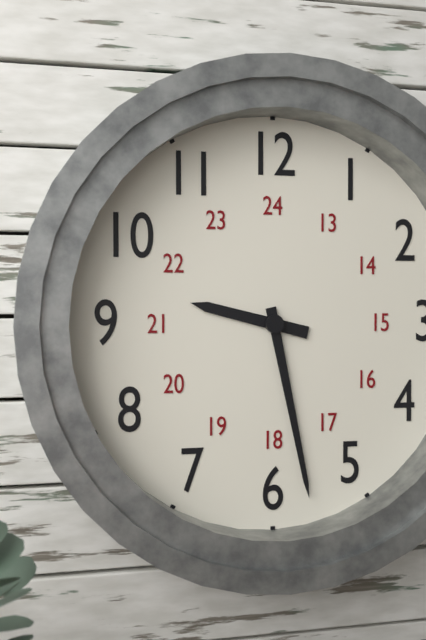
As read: {"hour": 9, "minute": 28}
